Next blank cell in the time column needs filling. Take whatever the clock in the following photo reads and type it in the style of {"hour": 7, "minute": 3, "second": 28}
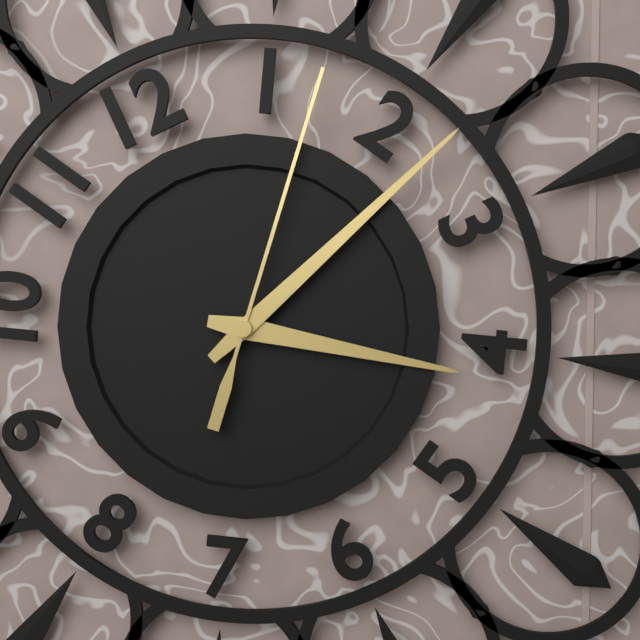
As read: {"hour": 4, "minute": 12, "second": 7}
